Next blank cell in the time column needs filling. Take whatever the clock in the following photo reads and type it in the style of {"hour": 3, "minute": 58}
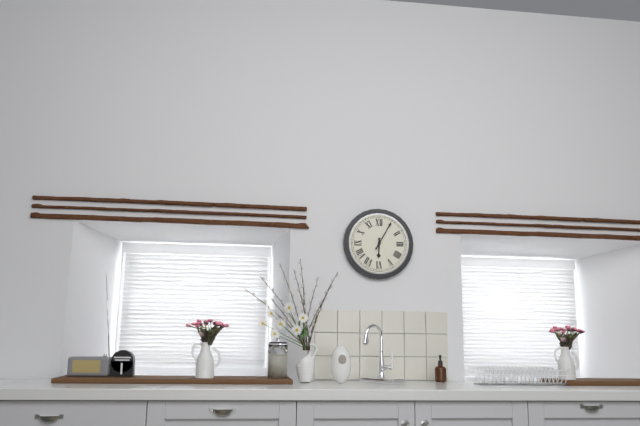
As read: {"hour": 6, "minute": 5}
